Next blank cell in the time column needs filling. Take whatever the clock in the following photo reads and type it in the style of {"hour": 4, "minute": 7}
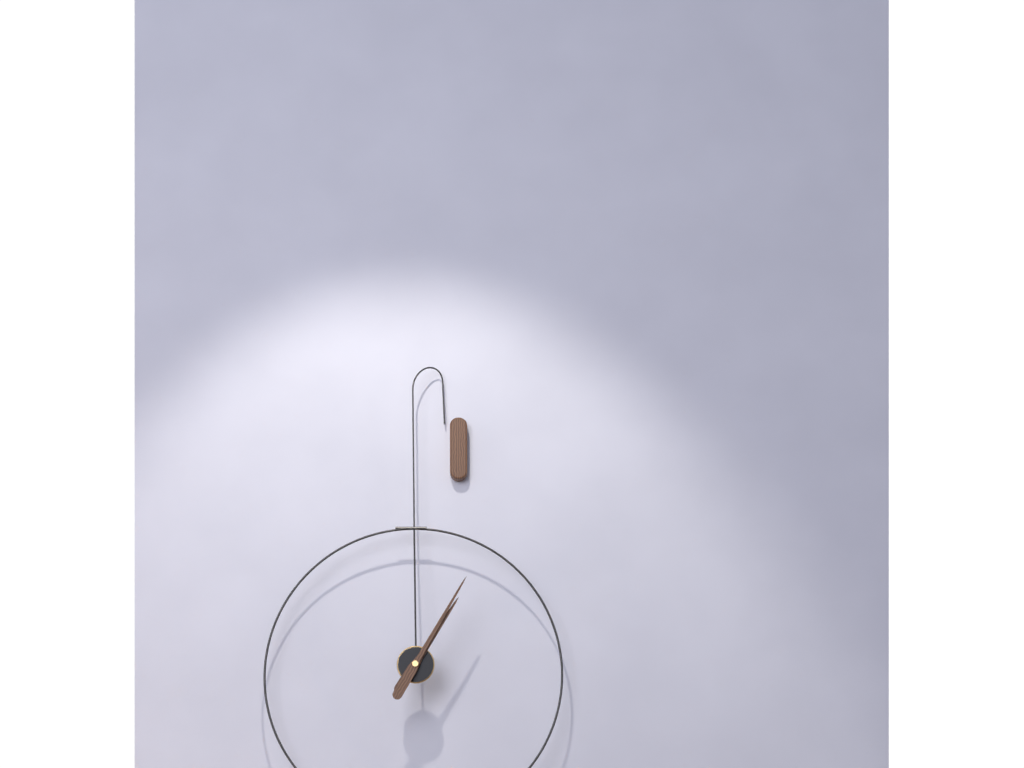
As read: {"hour": 1, "minute": 5}
